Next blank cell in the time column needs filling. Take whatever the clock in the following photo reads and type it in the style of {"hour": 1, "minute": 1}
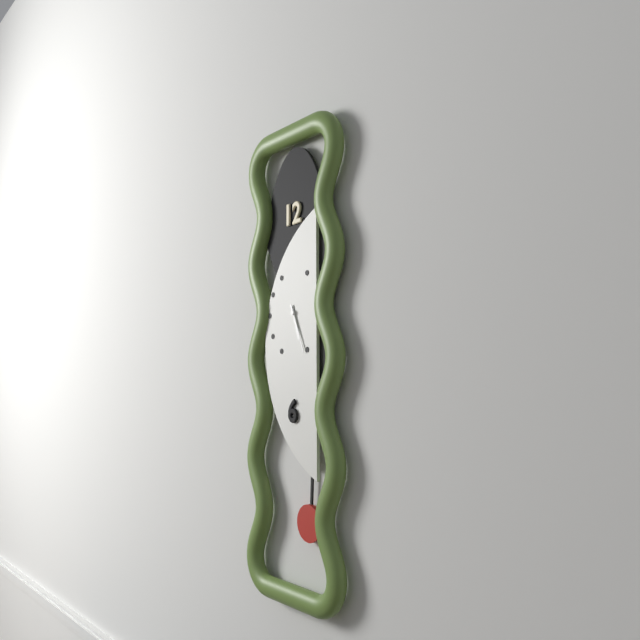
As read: {"hour": 5, "minute": 26}
